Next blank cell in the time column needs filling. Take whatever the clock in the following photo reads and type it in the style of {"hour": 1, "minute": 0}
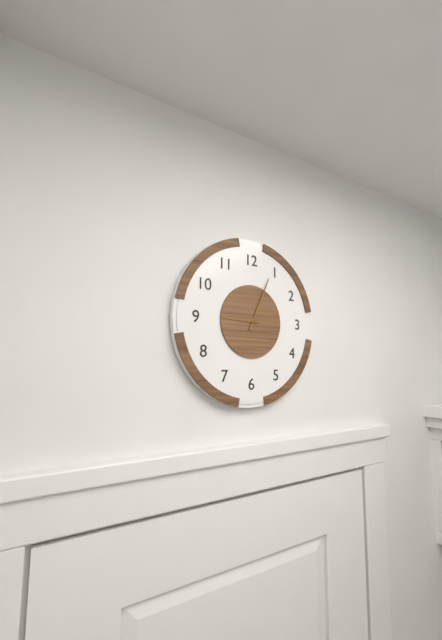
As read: {"hour": 9, "minute": 4}
